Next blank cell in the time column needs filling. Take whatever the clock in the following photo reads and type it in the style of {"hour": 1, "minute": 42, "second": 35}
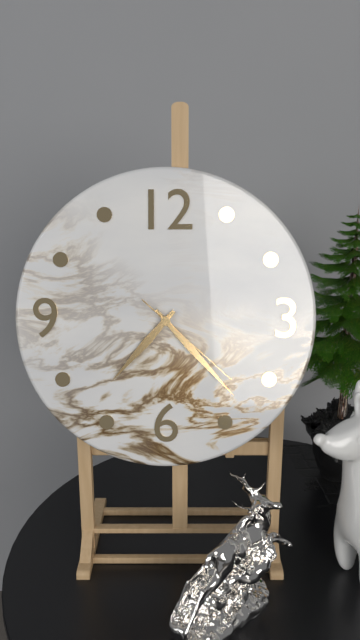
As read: {"hour": 7, "minute": 23, "second": 22}
